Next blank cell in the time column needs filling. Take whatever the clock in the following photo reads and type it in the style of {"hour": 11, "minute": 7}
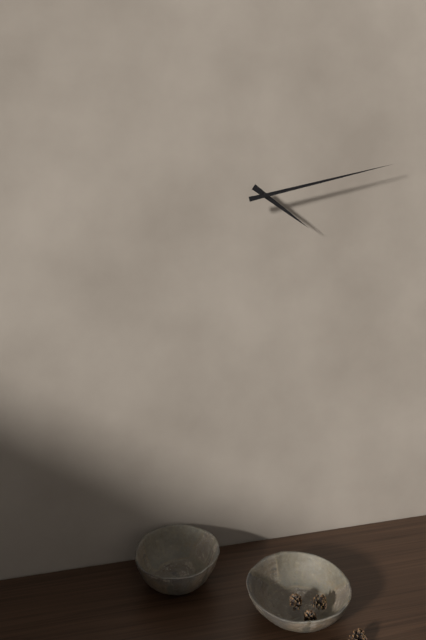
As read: {"hour": 4, "minute": 13}
